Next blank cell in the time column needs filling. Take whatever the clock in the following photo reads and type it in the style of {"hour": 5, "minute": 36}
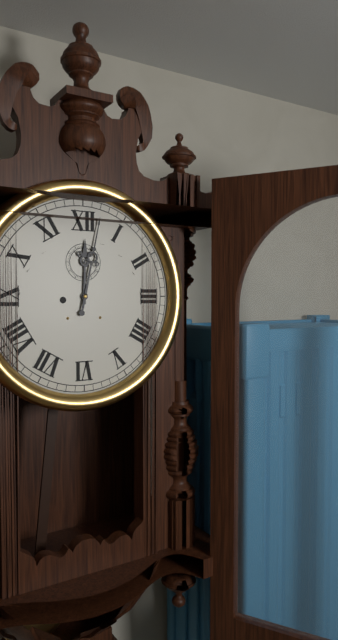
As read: {"hour": 12, "minute": 2}
